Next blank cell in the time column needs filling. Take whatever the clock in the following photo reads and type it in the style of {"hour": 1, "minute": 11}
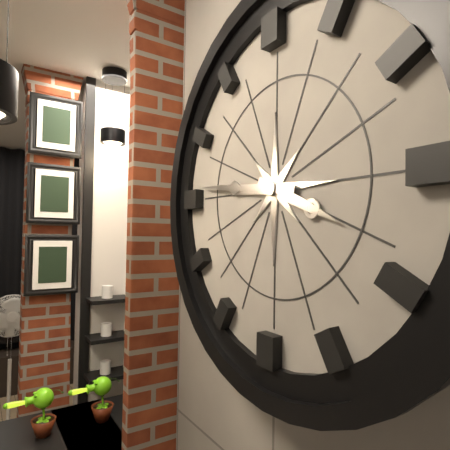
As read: {"hour": 3, "minute": 46}
